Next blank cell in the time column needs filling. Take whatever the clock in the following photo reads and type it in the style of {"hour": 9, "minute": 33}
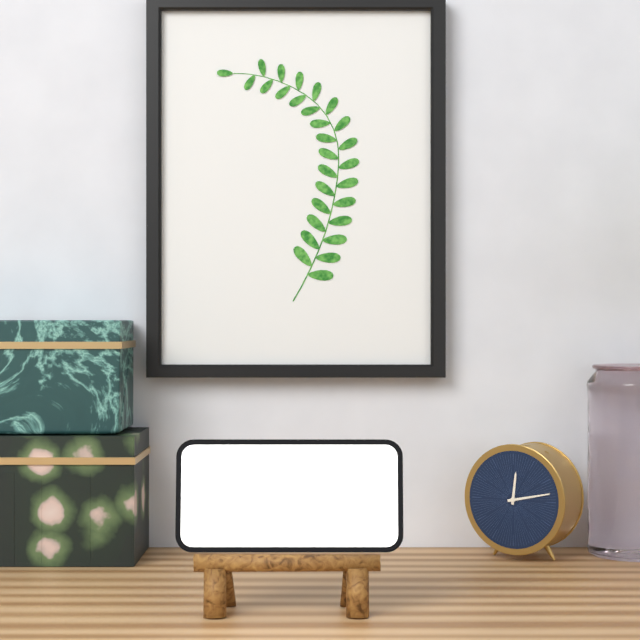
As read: {"hour": 12, "minute": 13}
